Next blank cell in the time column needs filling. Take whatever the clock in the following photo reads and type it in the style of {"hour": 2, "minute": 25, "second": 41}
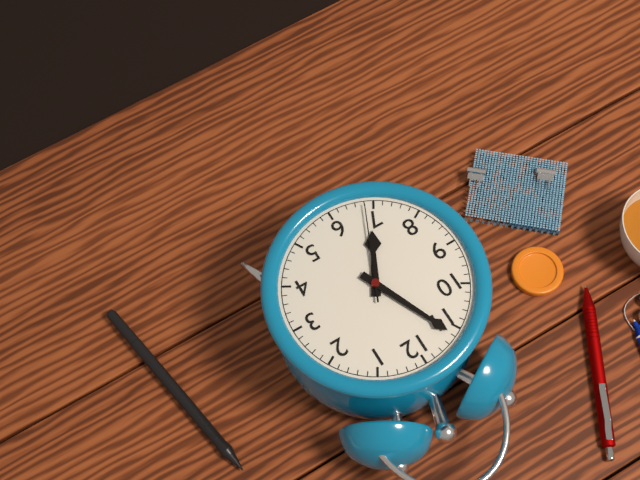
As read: {"hour": 6, "minute": 56, "second": 34}
